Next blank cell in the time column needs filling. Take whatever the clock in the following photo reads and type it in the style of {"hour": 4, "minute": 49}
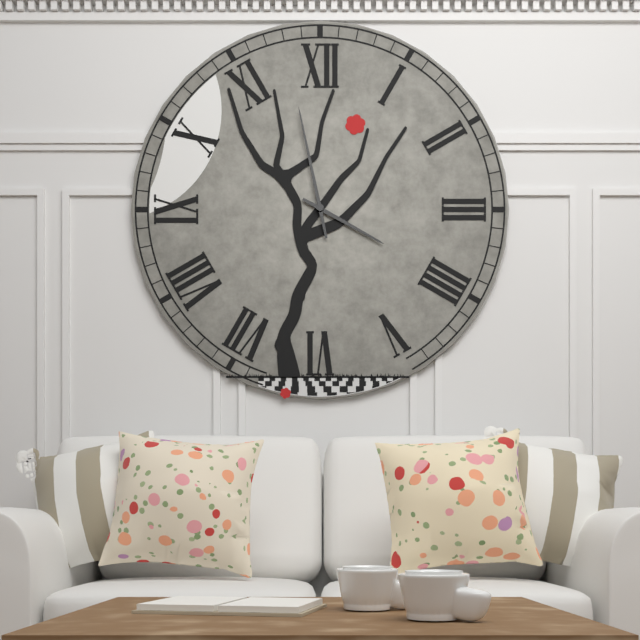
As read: {"hour": 3, "minute": 58}
